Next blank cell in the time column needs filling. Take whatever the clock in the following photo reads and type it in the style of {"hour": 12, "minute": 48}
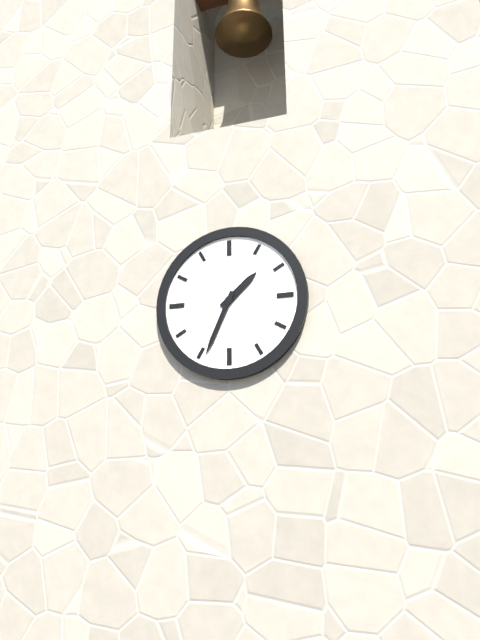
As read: {"hour": 1, "minute": 34}
